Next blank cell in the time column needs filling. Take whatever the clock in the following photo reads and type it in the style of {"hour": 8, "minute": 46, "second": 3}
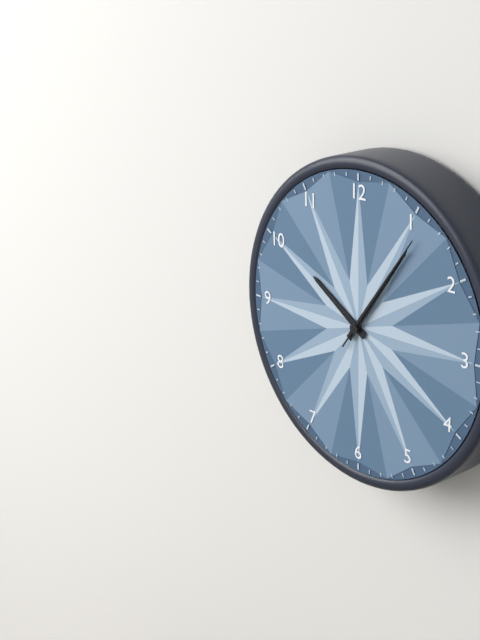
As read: {"hour": 10, "minute": 6, "second": 6}
